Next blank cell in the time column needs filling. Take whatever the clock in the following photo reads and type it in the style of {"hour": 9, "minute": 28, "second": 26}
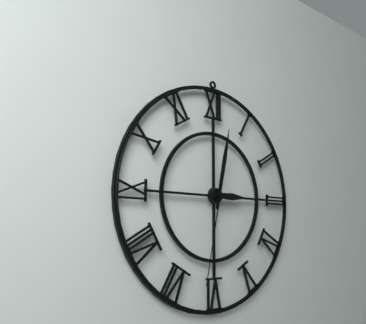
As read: {"hour": 3, "minute": 2, "second": 32}
